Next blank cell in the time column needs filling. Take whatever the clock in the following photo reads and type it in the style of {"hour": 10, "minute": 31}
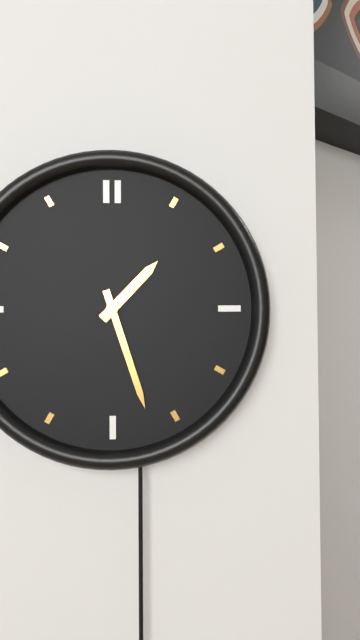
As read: {"hour": 1, "minute": 27}
